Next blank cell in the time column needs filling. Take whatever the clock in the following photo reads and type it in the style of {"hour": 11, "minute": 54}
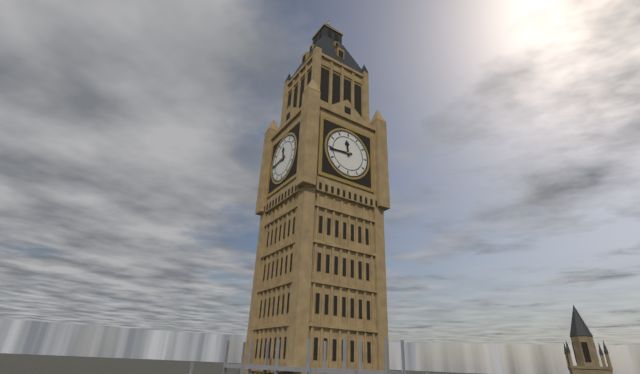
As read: {"hour": 11, "minute": 44}
